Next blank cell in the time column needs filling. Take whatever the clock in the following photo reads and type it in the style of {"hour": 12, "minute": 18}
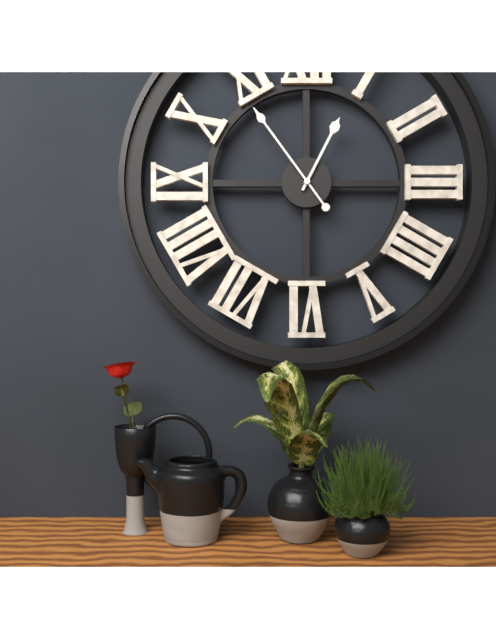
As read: {"hour": 12, "minute": 54}
